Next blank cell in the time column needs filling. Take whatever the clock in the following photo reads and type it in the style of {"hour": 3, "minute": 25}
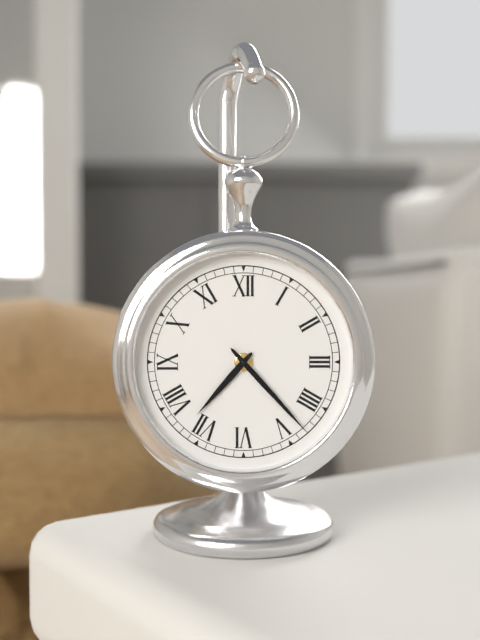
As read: {"hour": 7, "minute": 23}
